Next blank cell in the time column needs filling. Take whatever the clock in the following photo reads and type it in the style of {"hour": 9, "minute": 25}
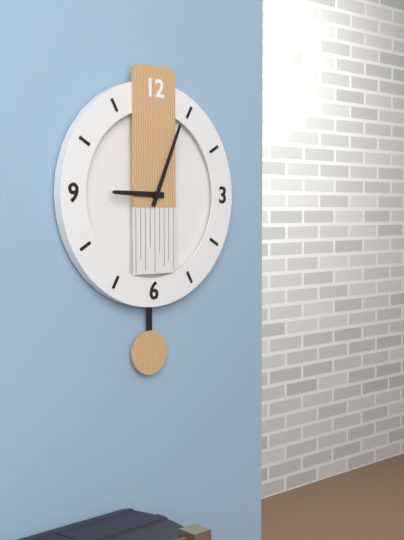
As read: {"hour": 9, "minute": 4}
